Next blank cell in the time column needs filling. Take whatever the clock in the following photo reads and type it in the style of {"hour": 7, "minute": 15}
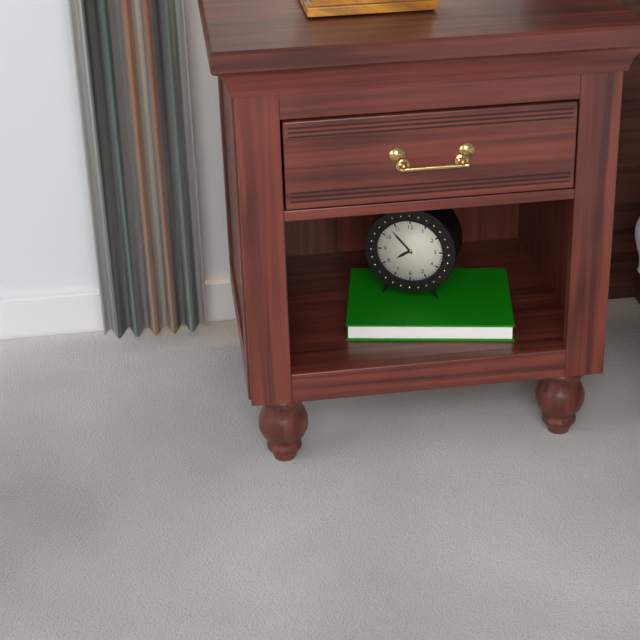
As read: {"hour": 7, "minute": 53}
